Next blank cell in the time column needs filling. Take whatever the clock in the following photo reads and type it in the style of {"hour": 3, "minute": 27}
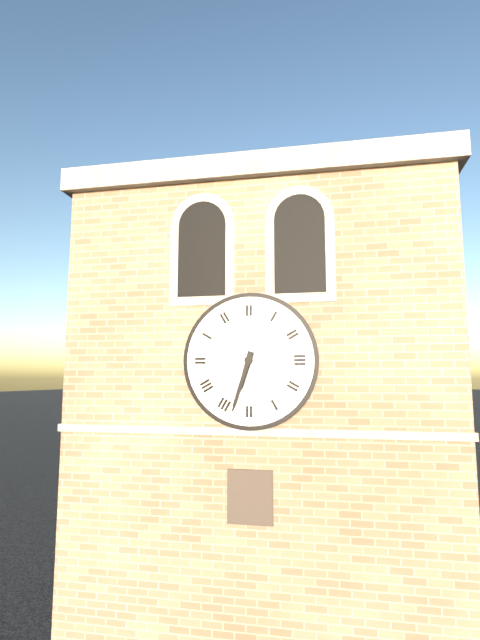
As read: {"hour": 6, "minute": 33}
